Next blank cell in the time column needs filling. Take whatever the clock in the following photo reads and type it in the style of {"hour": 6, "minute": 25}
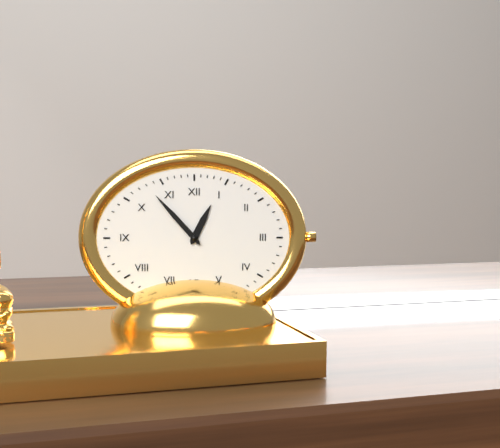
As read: {"hour": 12, "minute": 53}
